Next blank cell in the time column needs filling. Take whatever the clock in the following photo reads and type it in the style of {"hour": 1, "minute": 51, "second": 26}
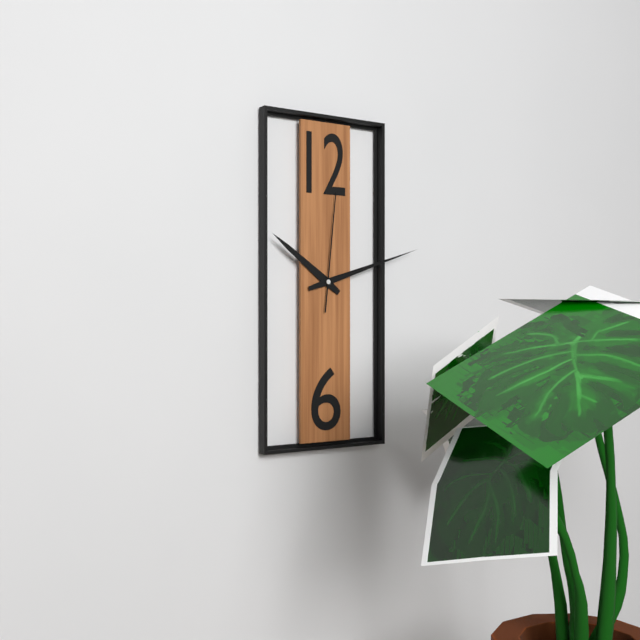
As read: {"hour": 10, "minute": 12, "second": 1}
